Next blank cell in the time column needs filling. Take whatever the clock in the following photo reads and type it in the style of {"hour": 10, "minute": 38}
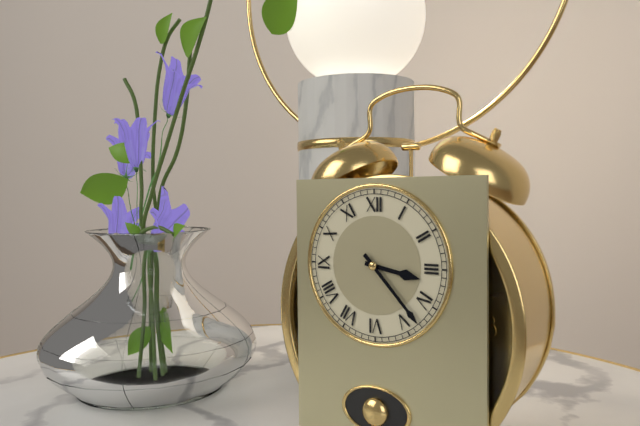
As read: {"hour": 3, "minute": 23}
